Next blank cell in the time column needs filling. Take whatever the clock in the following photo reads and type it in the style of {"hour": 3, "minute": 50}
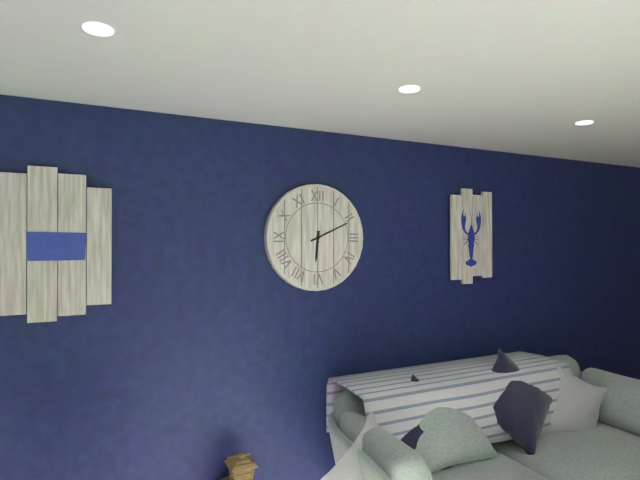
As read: {"hour": 6, "minute": 11}
